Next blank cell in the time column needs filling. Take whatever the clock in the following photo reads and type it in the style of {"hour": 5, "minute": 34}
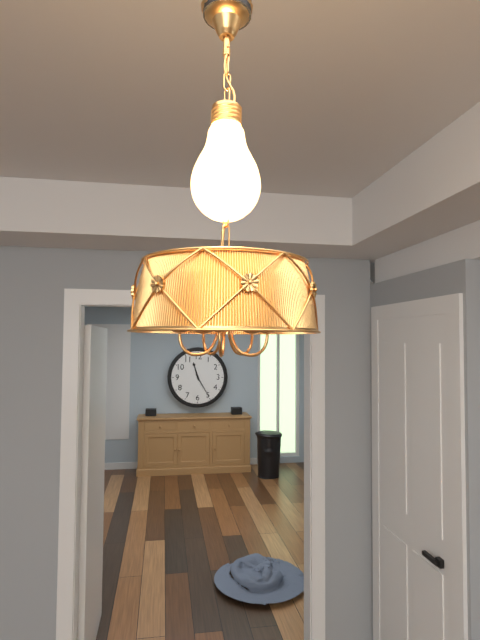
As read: {"hour": 11, "minute": 25}
